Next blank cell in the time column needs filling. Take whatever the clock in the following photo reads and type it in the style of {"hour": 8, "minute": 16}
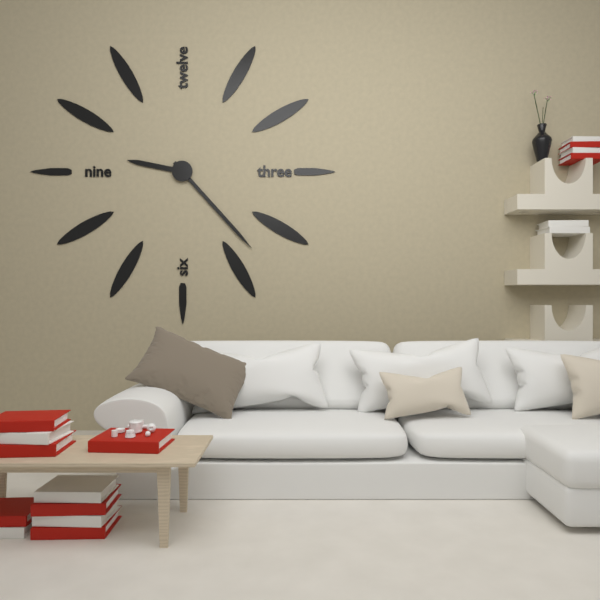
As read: {"hour": 9, "minute": 23}
